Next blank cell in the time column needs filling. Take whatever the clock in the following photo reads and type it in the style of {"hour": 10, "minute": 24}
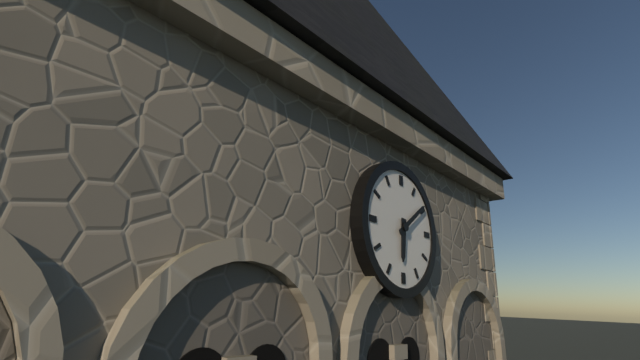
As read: {"hour": 6, "minute": 9}
